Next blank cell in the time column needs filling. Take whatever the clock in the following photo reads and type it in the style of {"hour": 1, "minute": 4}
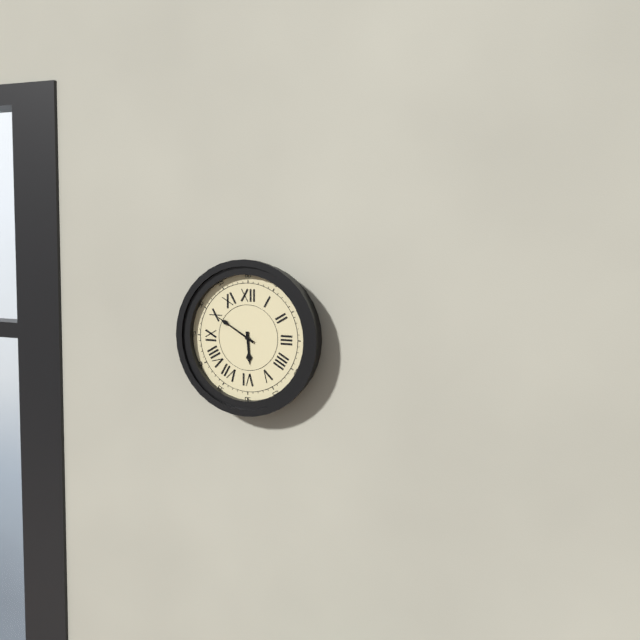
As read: {"hour": 5, "minute": 50}
